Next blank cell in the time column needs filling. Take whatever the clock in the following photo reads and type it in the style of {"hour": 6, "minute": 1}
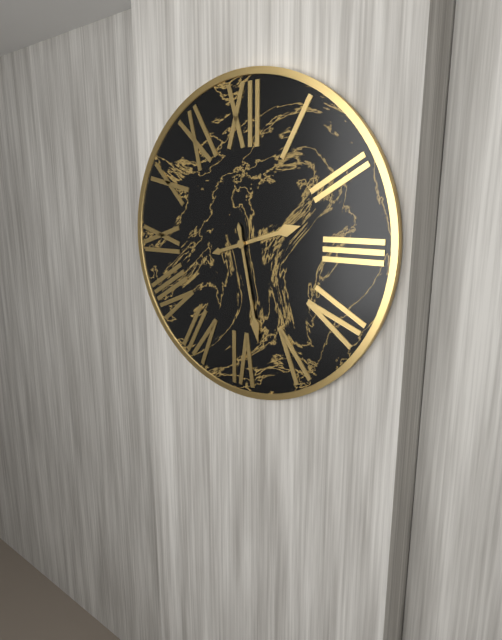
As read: {"hour": 2, "minute": 28}
